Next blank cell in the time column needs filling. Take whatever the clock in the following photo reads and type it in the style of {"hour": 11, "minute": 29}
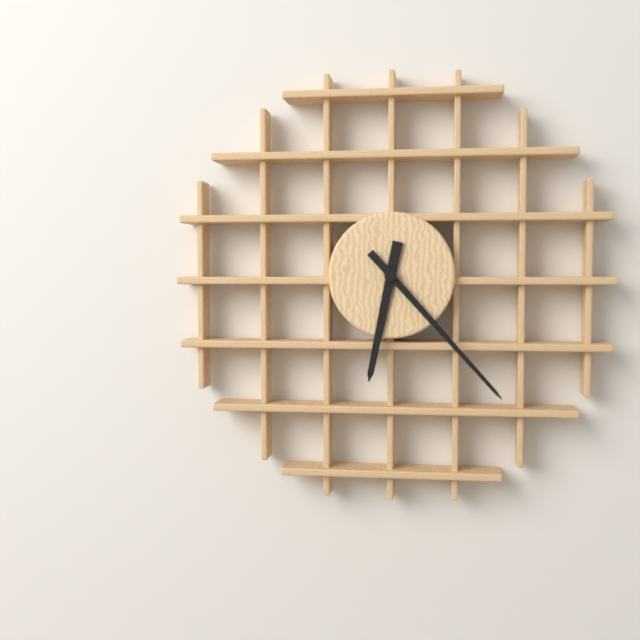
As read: {"hour": 6, "minute": 23}
